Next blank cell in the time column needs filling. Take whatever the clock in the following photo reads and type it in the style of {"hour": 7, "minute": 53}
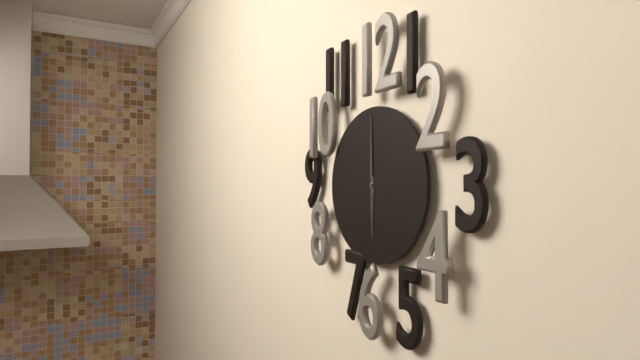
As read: {"hour": 6, "minute": 0}
